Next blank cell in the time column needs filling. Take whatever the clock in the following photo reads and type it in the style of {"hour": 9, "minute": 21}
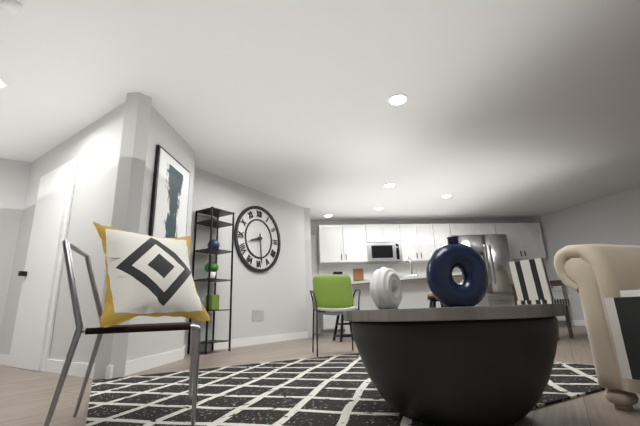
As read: {"hour": 8, "minute": 29}
